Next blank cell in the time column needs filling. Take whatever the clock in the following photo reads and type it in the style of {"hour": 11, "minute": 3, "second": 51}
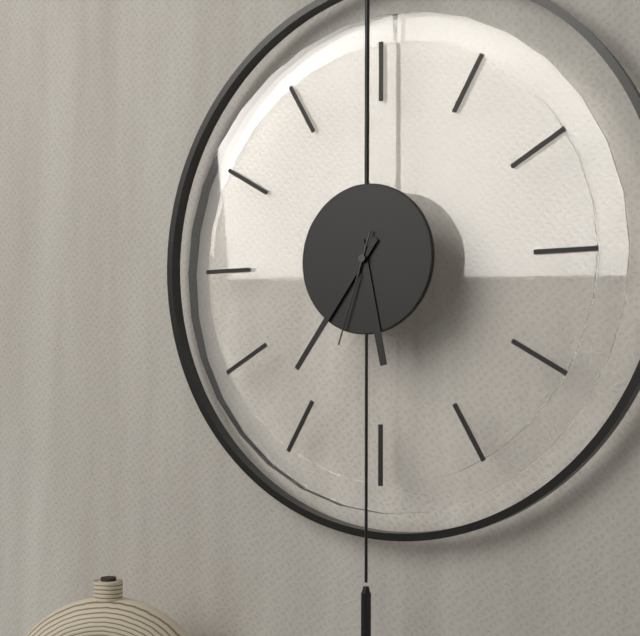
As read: {"hour": 5, "minute": 36, "second": 33}
